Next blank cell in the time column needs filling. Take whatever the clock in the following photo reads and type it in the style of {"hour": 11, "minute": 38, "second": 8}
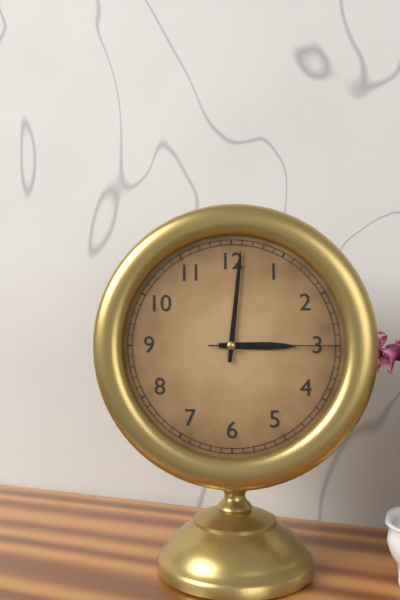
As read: {"hour": 3, "minute": 1, "second": 15}
